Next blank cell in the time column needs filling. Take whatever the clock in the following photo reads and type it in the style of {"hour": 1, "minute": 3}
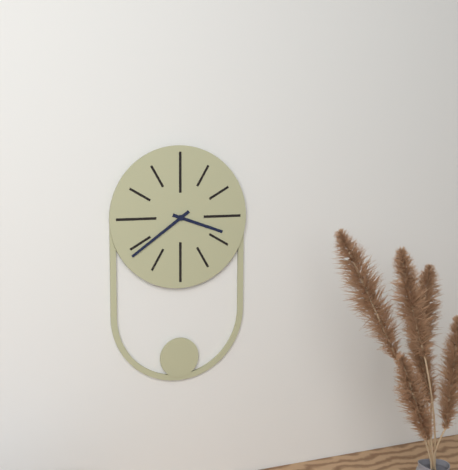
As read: {"hour": 3, "minute": 39}
